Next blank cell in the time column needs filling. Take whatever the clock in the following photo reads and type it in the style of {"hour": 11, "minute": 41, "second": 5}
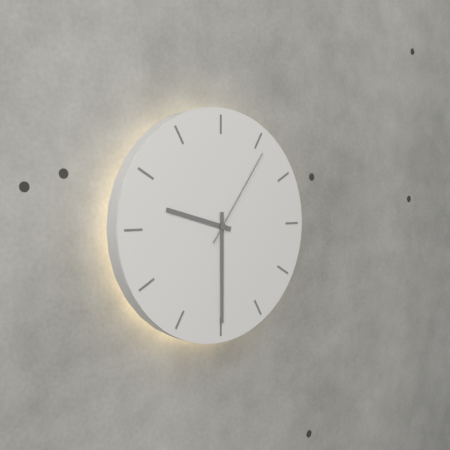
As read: {"hour": 9, "minute": 30, "second": 6}
